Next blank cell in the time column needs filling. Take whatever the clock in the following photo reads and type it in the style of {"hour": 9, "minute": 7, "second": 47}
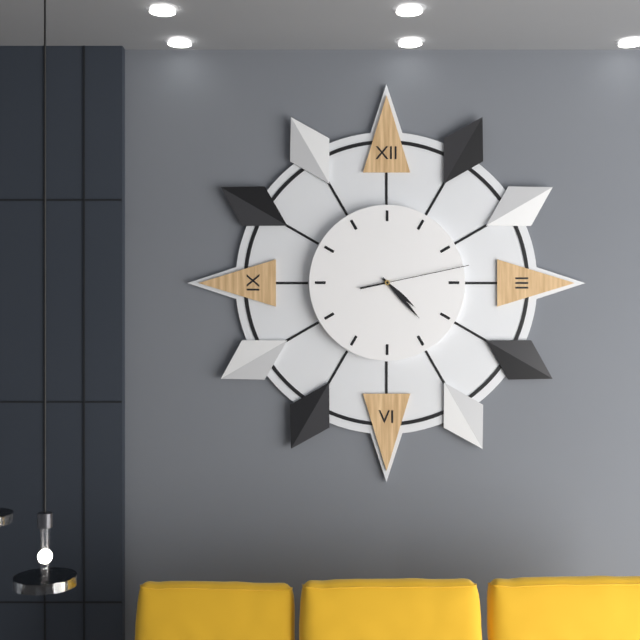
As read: {"hour": 4, "minute": 23, "second": 13}
